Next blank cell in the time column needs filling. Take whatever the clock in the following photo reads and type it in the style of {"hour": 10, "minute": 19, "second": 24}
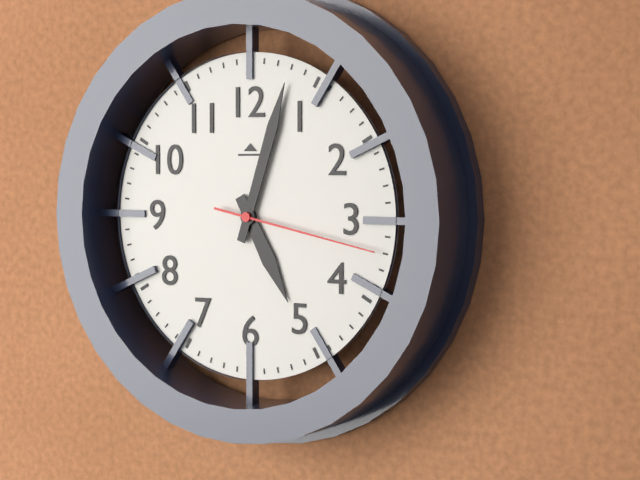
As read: {"hour": 5, "minute": 3, "second": 17}
